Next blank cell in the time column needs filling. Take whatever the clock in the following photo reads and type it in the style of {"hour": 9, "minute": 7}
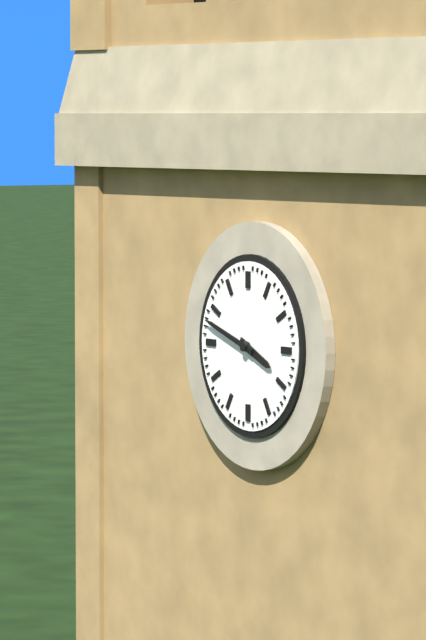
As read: {"hour": 3, "minute": 48}
